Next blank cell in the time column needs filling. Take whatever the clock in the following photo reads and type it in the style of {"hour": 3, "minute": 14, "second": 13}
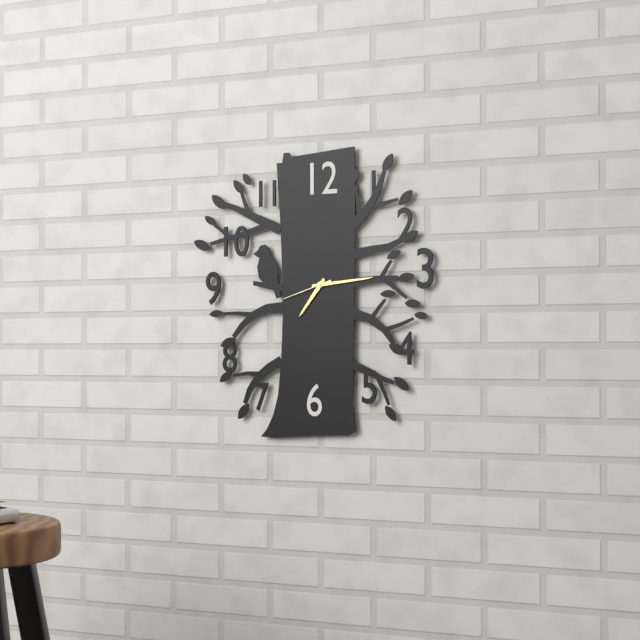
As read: {"hour": 7, "minute": 14, "second": 42}
